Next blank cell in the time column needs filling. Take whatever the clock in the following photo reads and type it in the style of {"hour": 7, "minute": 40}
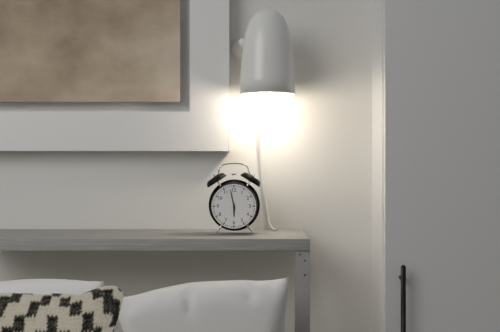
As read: {"hour": 5, "minute": 58}
